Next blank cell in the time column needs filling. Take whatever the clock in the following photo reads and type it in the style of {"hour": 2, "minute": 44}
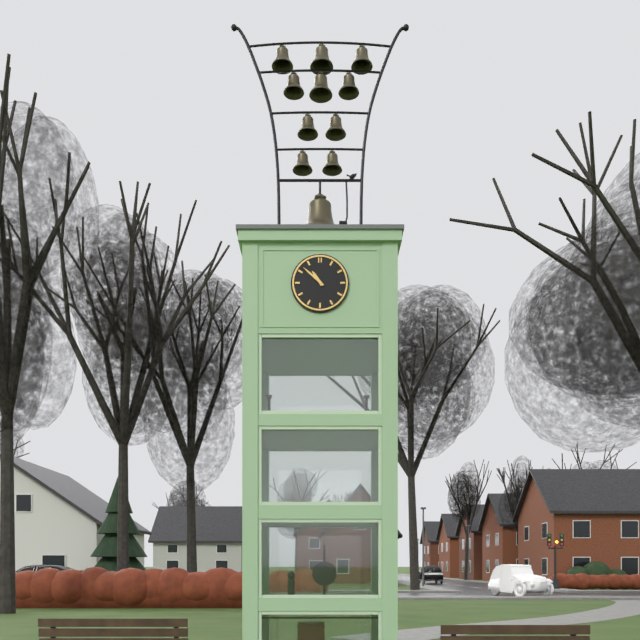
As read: {"hour": 10, "minute": 52}
